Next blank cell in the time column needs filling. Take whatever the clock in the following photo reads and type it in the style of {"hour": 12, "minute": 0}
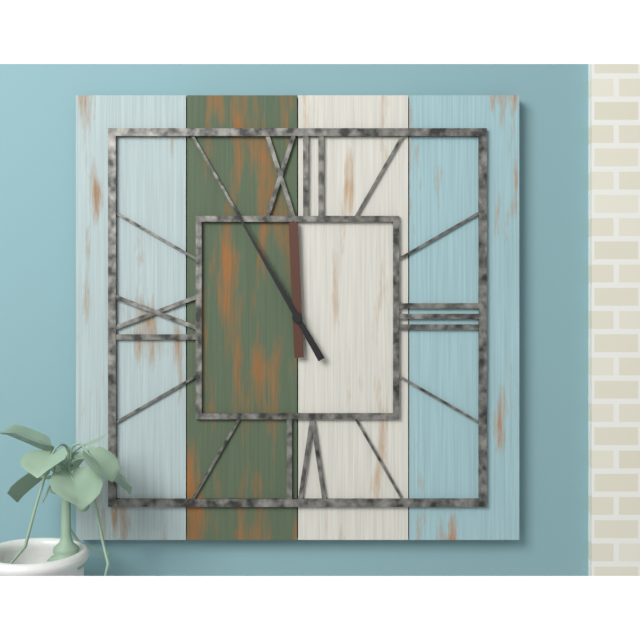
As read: {"hour": 11, "minute": 55}
